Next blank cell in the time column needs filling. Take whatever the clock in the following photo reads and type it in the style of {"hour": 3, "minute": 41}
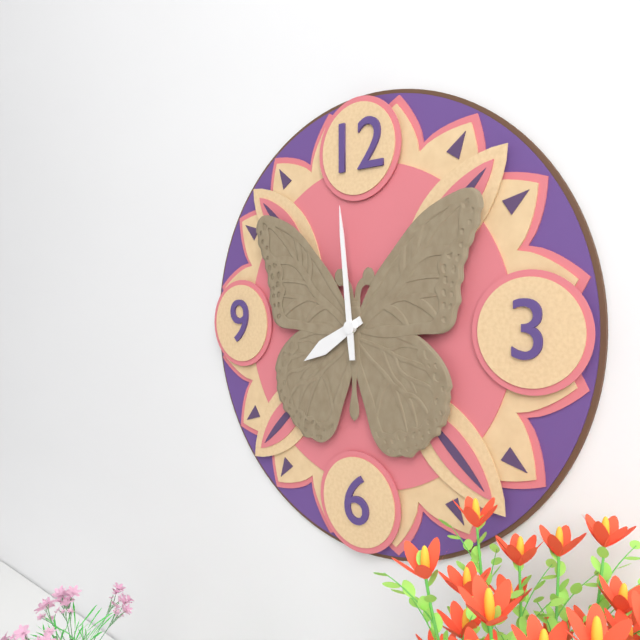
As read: {"hour": 7, "minute": 59}
